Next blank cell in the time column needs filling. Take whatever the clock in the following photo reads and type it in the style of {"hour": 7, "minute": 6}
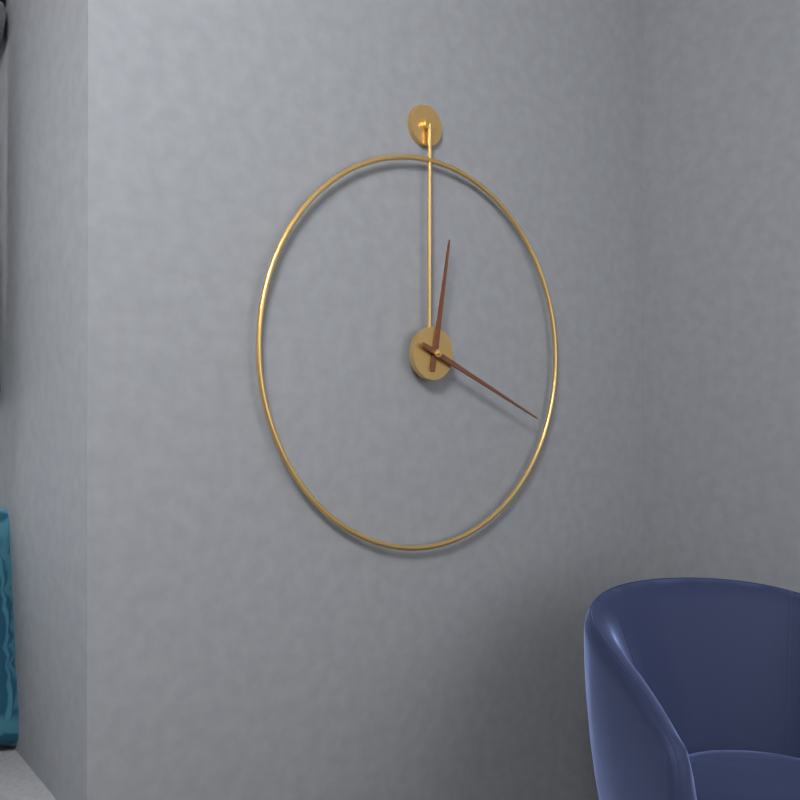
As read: {"hour": 12, "minute": 19}
